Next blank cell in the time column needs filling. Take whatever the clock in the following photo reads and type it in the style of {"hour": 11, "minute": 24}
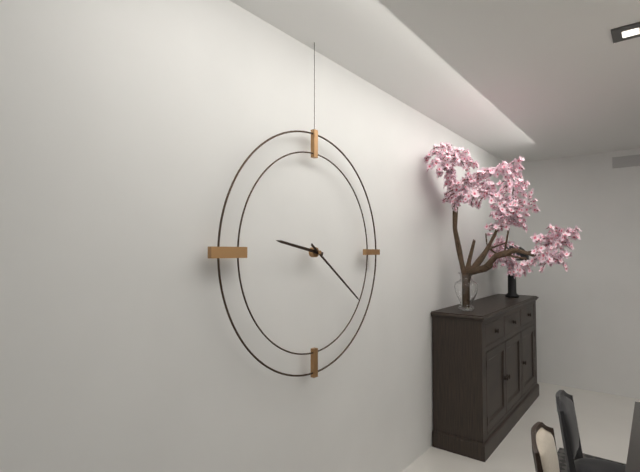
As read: {"hour": 9, "minute": 21}
